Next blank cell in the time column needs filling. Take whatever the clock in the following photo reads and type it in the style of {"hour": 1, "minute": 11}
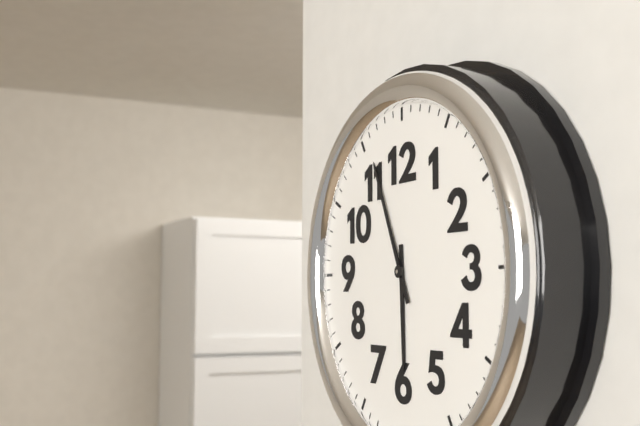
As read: {"hour": 5, "minute": 56}
